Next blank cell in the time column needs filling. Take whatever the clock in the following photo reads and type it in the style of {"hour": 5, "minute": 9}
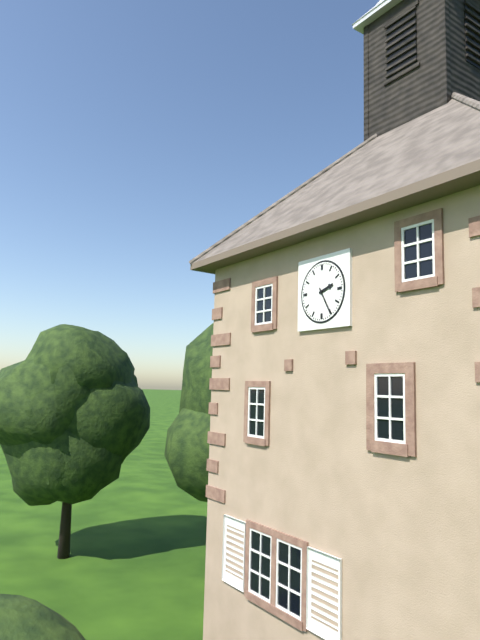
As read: {"hour": 2, "minute": 25}
